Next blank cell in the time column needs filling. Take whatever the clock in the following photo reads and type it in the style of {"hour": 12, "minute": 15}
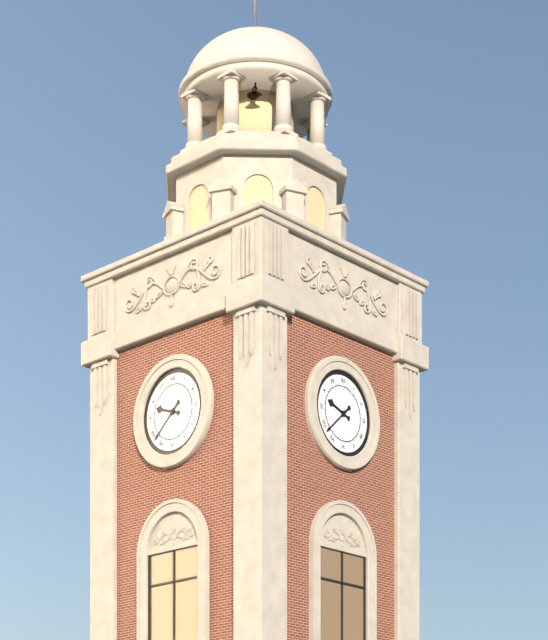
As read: {"hour": 9, "minute": 38}
